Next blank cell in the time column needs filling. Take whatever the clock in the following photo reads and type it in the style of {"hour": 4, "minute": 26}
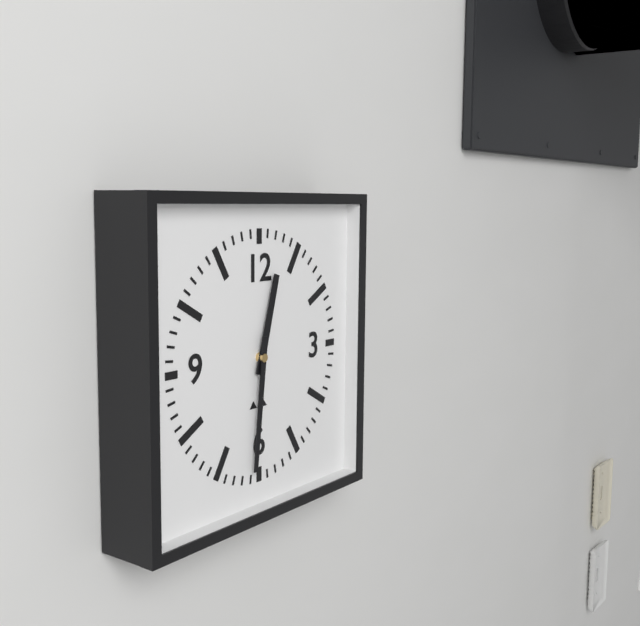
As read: {"hour": 12, "minute": 31}
